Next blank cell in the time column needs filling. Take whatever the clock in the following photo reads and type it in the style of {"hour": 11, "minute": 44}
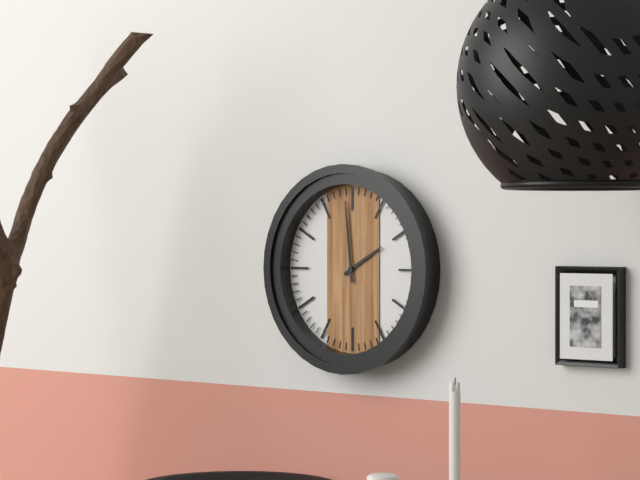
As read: {"hour": 1, "minute": 59}
